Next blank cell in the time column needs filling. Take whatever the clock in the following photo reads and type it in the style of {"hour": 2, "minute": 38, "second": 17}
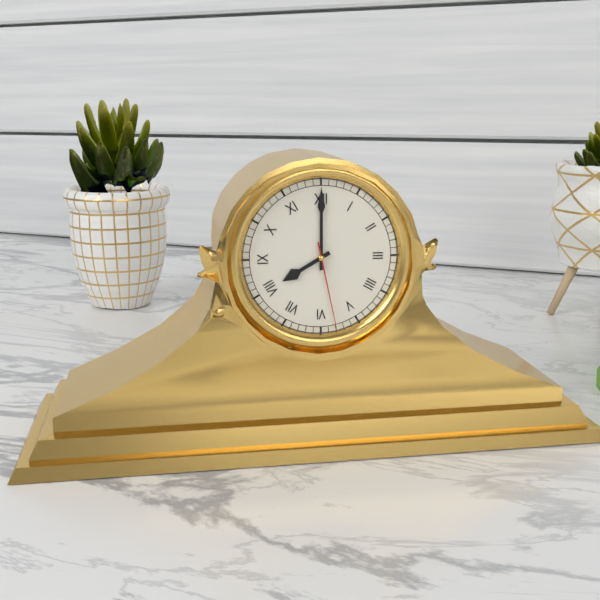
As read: {"hour": 8, "minute": 0, "second": 28}
